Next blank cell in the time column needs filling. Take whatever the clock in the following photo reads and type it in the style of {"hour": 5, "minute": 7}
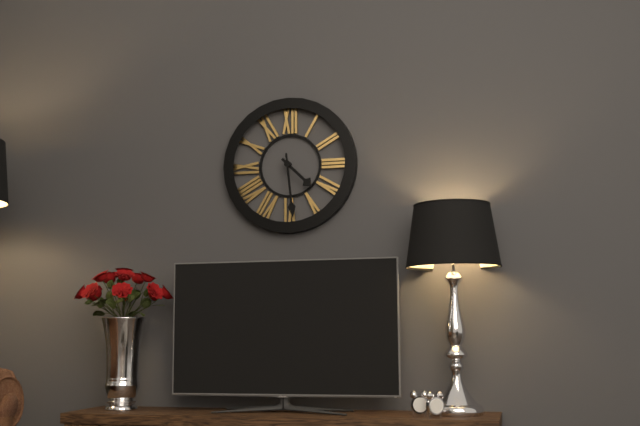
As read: {"hour": 4, "minute": 29}
